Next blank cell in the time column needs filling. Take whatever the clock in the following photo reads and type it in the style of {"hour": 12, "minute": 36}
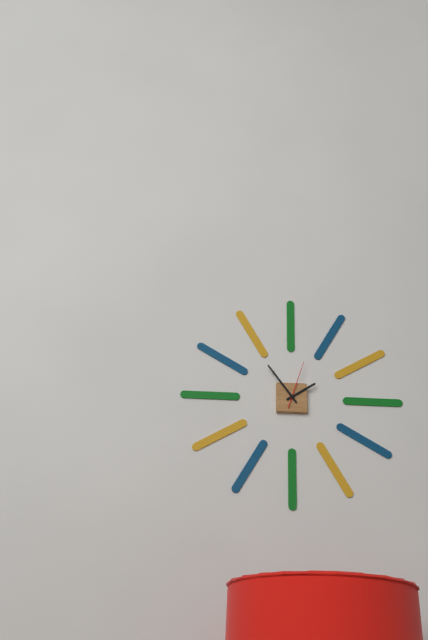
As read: {"hour": 1, "minute": 54}
